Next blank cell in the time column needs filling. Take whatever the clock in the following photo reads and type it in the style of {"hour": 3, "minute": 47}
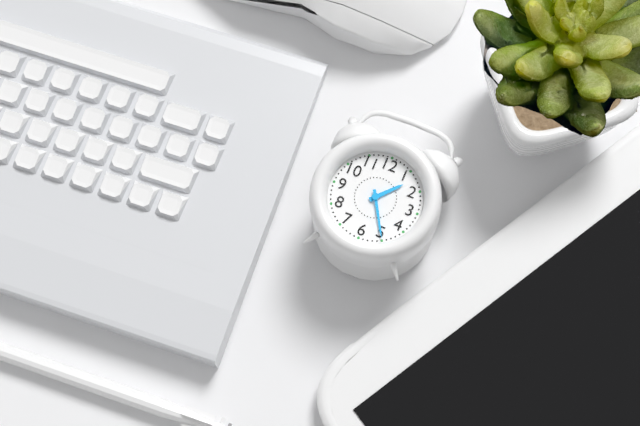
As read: {"hour": 1, "minute": 25}
